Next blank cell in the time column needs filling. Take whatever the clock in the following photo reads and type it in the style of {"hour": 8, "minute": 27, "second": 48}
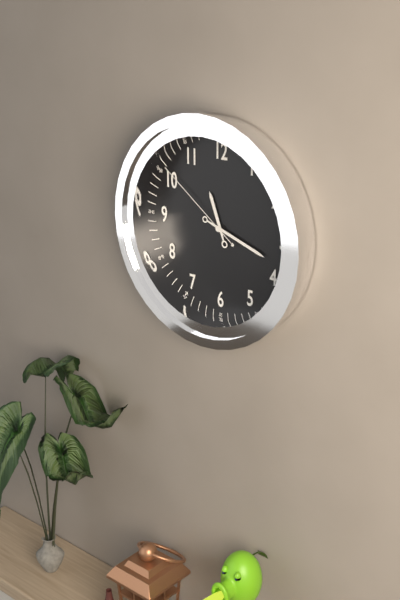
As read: {"hour": 11, "minute": 18, "second": 51}
